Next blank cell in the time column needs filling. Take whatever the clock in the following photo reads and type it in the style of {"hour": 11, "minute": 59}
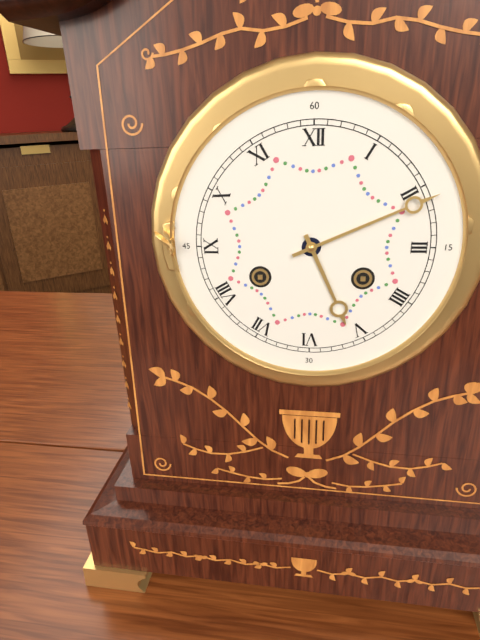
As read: {"hour": 5, "minute": 11}
